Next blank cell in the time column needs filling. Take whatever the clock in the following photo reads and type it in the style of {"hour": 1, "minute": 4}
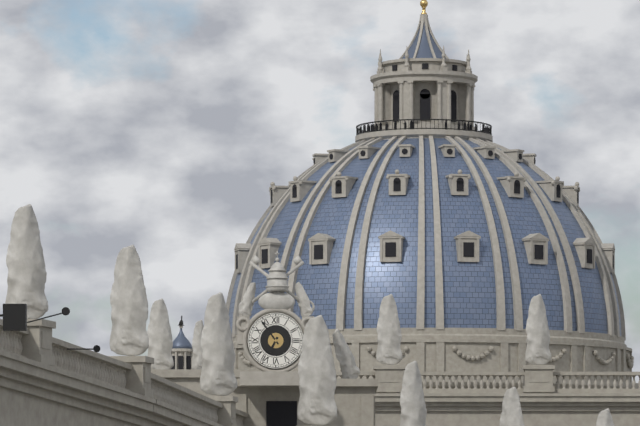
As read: {"hour": 6, "minute": 54}
